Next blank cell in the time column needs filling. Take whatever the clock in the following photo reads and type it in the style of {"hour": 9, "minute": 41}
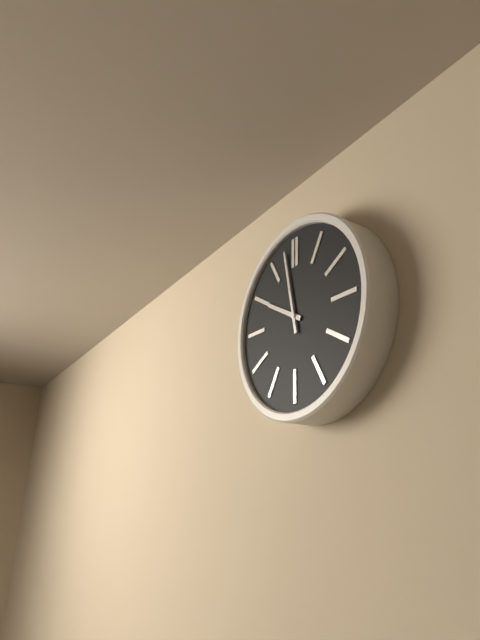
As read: {"hour": 9, "minute": 58}
